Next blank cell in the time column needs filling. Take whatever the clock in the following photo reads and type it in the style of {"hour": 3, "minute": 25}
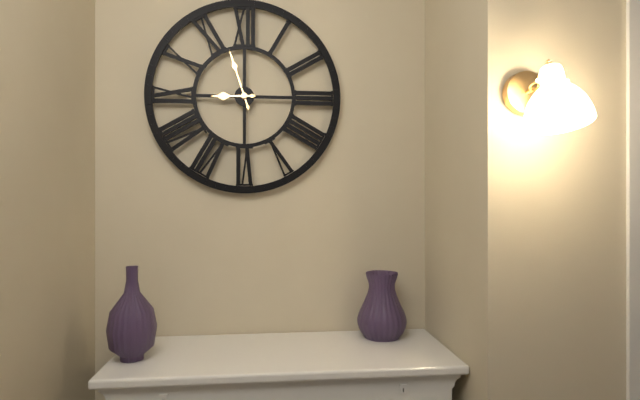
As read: {"hour": 8, "minute": 57}
